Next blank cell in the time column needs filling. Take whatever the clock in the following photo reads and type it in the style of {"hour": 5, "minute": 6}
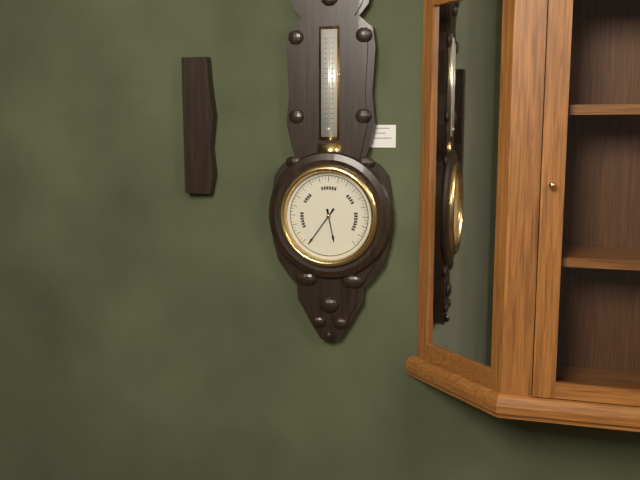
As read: {"hour": 5, "minute": 36}
